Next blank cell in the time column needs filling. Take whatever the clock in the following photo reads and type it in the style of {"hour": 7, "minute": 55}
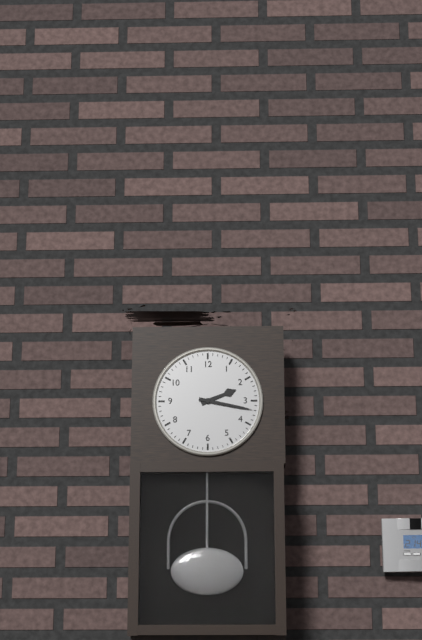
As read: {"hour": 2, "minute": 17}
